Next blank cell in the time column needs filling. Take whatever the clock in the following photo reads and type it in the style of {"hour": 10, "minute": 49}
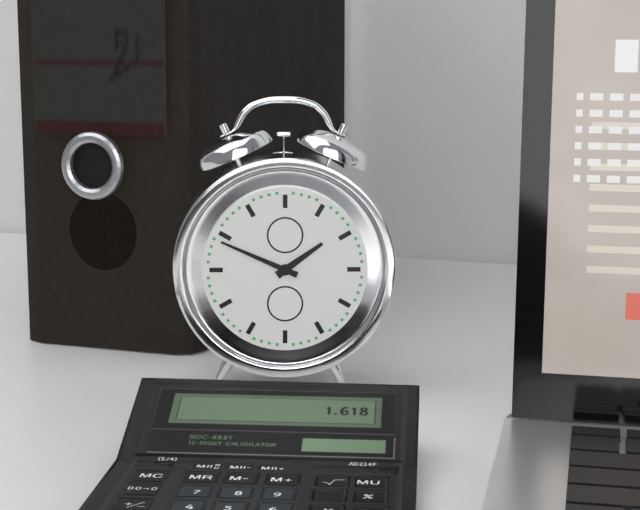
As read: {"hour": 1, "minute": 49}
